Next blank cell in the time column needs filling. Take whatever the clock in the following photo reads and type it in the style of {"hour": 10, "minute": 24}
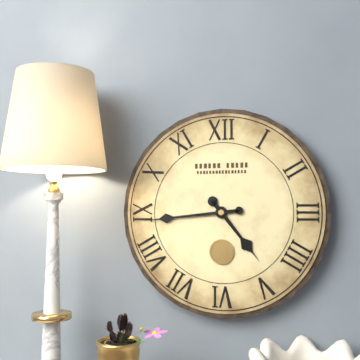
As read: {"hour": 4, "minute": 44}
